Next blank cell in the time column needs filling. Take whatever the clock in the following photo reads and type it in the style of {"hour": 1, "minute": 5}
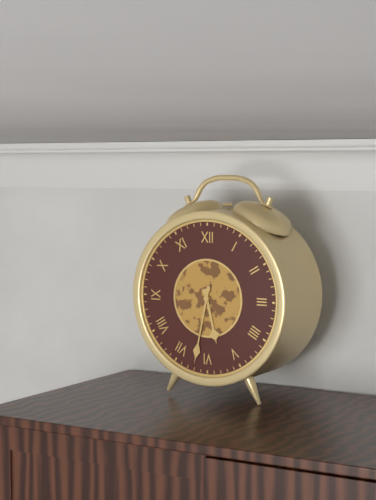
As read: {"hour": 5, "minute": 32}
